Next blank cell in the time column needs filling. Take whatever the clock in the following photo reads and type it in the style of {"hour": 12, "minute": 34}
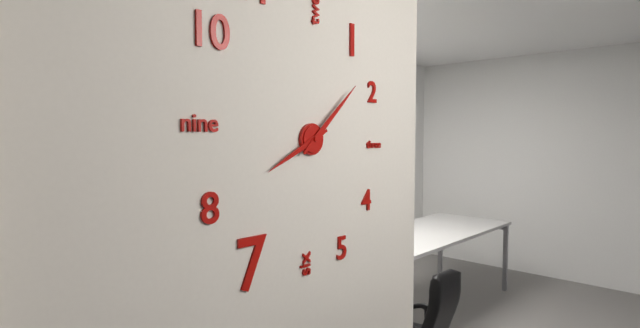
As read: {"hour": 8, "minute": 8}
